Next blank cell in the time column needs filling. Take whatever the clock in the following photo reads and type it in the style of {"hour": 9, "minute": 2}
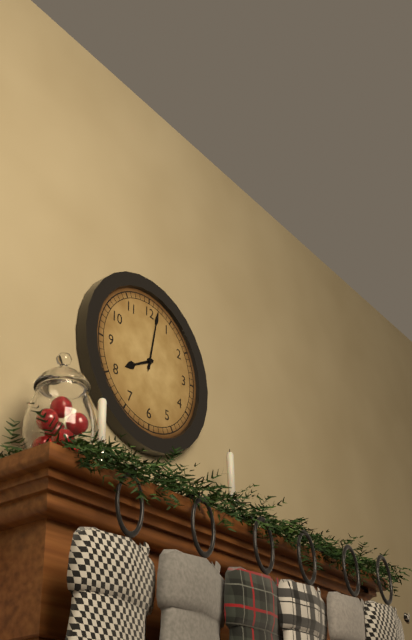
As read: {"hour": 8, "minute": 2}
